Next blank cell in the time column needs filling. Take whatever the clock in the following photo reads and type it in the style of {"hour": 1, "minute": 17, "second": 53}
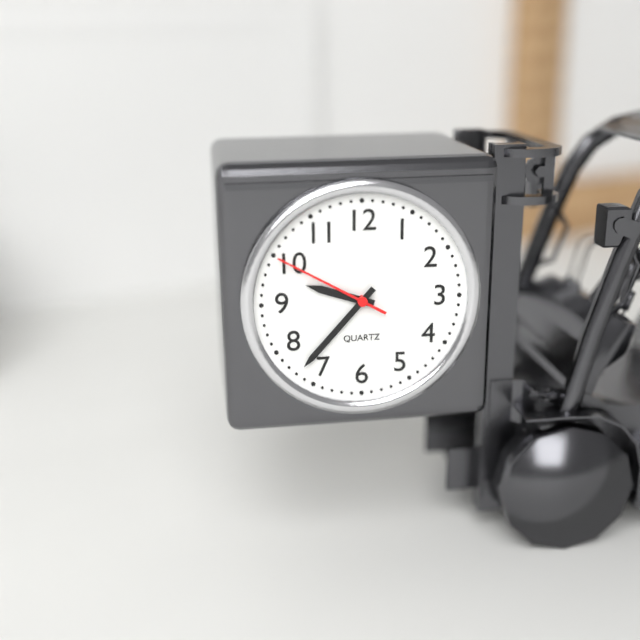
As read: {"hour": 9, "minute": 37, "second": 50}
